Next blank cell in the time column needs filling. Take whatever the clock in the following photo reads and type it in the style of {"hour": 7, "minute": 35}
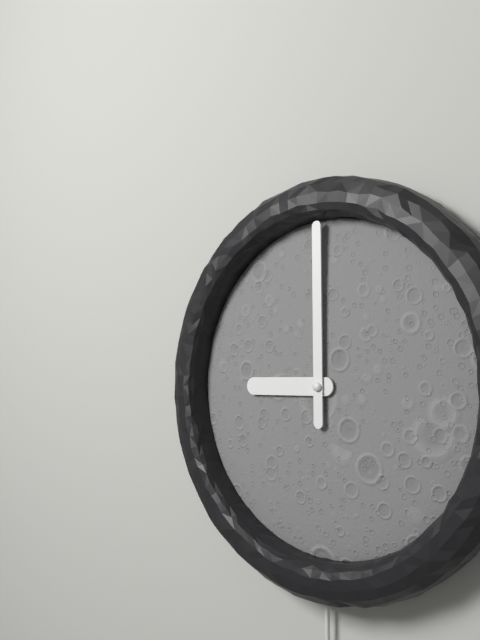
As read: {"hour": 9, "minute": 0}
